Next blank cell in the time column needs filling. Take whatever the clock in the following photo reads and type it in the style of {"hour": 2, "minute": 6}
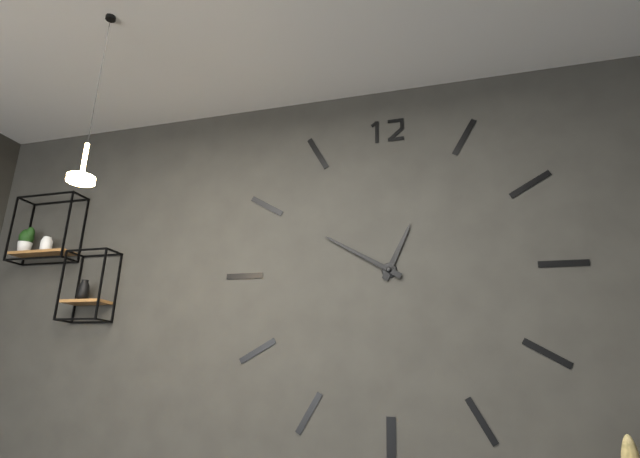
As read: {"hour": 12, "minute": 50}
